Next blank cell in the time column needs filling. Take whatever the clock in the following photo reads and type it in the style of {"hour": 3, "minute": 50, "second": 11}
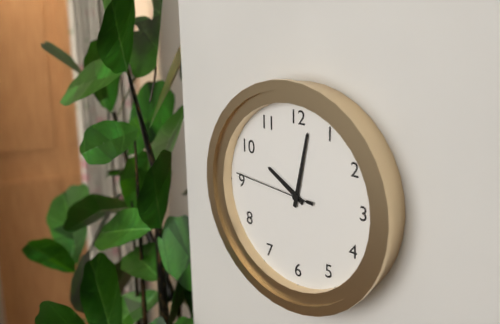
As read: {"hour": 10, "minute": 2, "second": 46}
